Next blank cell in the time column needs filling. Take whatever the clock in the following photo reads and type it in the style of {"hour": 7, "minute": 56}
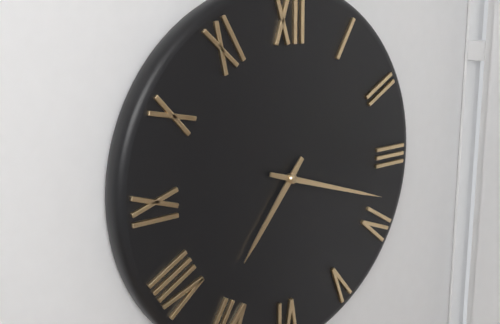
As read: {"hour": 7, "minute": 18}
